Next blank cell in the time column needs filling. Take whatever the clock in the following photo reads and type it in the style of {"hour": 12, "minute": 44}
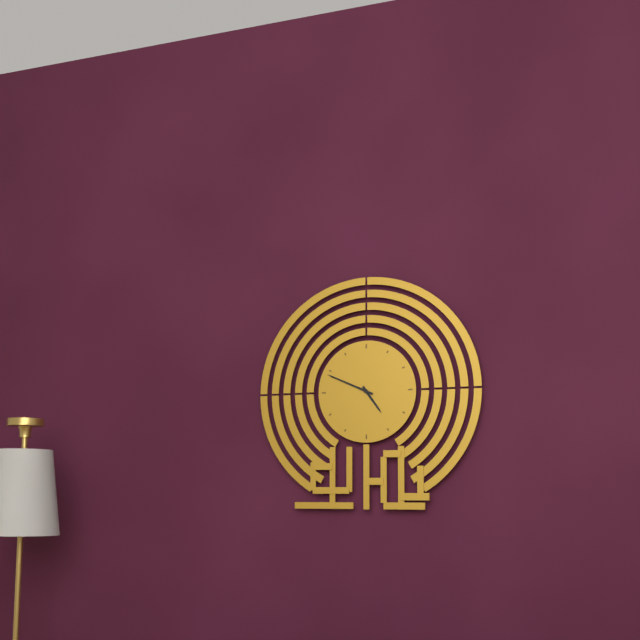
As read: {"hour": 4, "minute": 49}
